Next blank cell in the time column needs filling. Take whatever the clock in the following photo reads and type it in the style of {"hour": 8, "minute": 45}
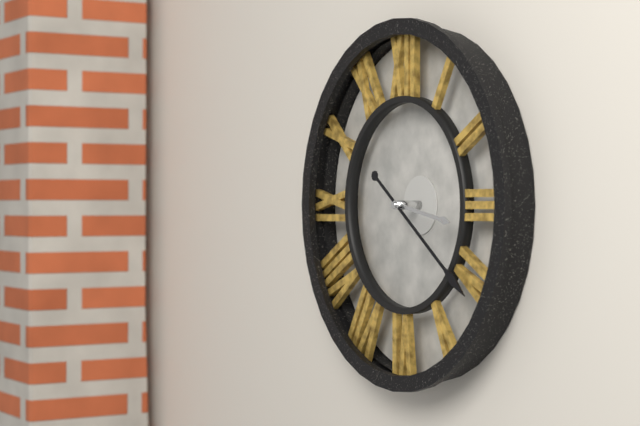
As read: {"hour": 3, "minute": 21}
